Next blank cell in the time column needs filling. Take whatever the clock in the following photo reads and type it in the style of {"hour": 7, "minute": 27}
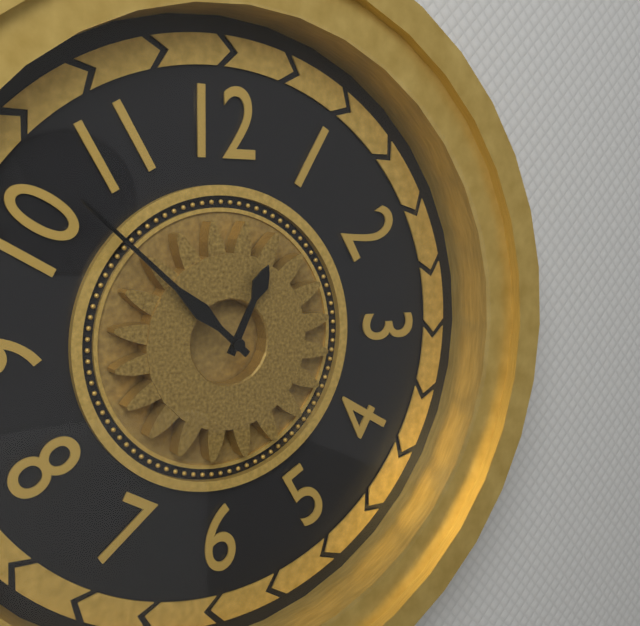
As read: {"hour": 12, "minute": 52}
